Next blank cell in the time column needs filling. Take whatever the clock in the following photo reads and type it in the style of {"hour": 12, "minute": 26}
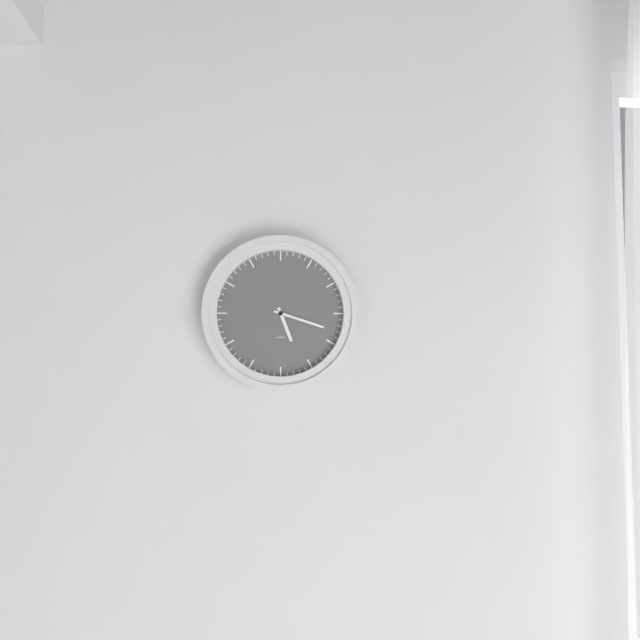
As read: {"hour": 5, "minute": 18}
